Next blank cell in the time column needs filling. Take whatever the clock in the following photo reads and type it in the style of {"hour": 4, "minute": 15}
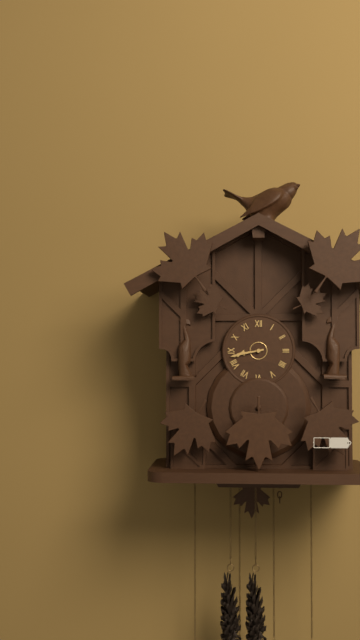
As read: {"hour": 8, "minute": 43}
